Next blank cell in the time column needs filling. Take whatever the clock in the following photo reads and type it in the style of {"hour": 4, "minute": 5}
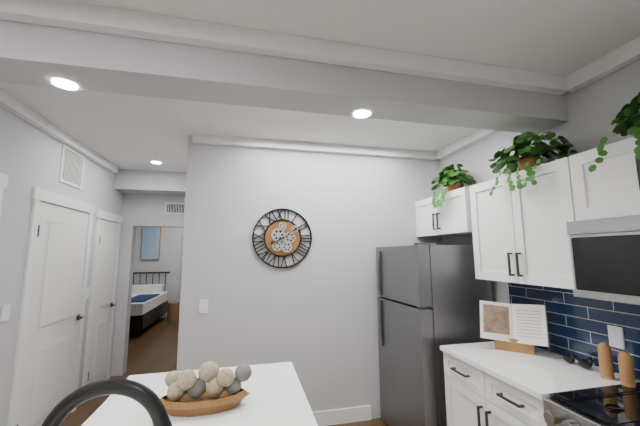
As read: {"hour": 8, "minute": 9}
